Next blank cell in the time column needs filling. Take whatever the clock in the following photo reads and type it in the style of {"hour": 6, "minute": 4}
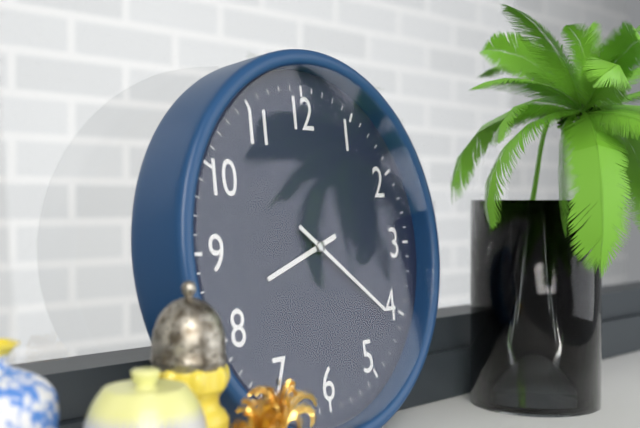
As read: {"hour": 8, "minute": 21}
